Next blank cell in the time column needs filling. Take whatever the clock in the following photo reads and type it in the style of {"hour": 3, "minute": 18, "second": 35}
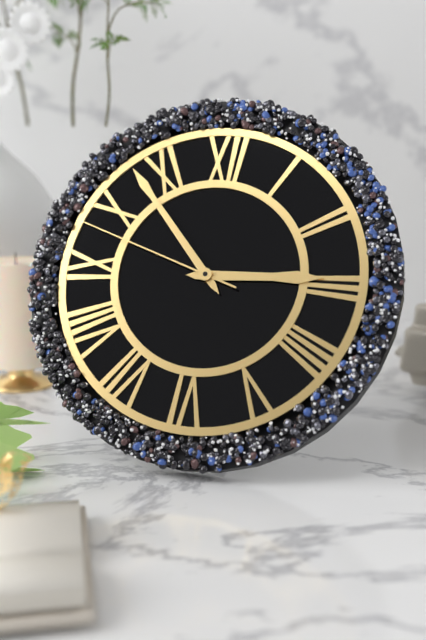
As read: {"hour": 2, "minute": 53, "second": 48}
